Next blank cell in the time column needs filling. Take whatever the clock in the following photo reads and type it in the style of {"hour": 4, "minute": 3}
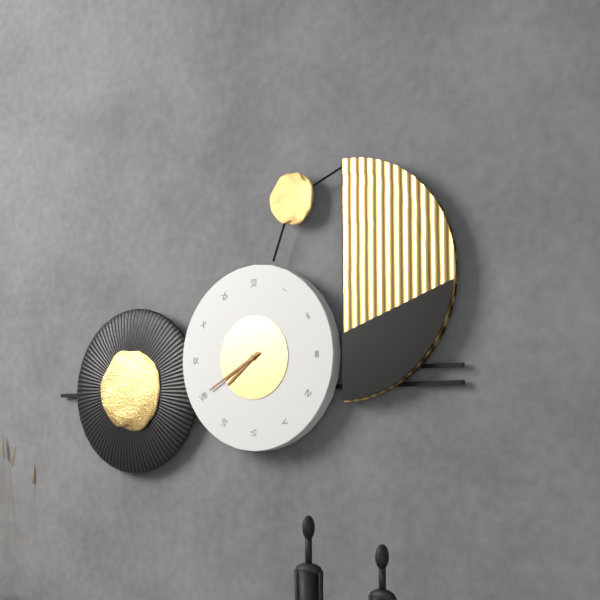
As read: {"hour": 7, "minute": 40}
